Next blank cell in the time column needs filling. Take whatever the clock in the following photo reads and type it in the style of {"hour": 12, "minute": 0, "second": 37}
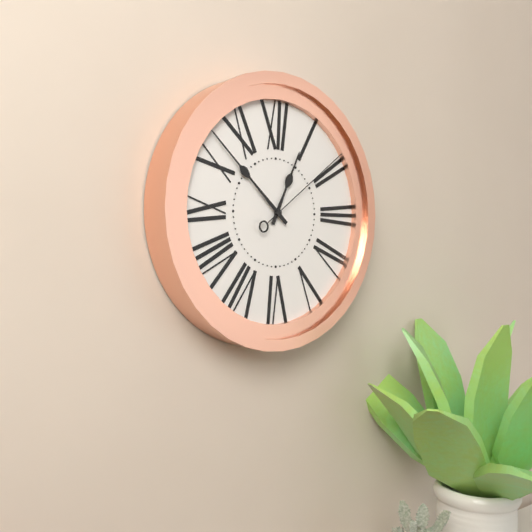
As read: {"hour": 12, "minute": 52, "second": 9}
